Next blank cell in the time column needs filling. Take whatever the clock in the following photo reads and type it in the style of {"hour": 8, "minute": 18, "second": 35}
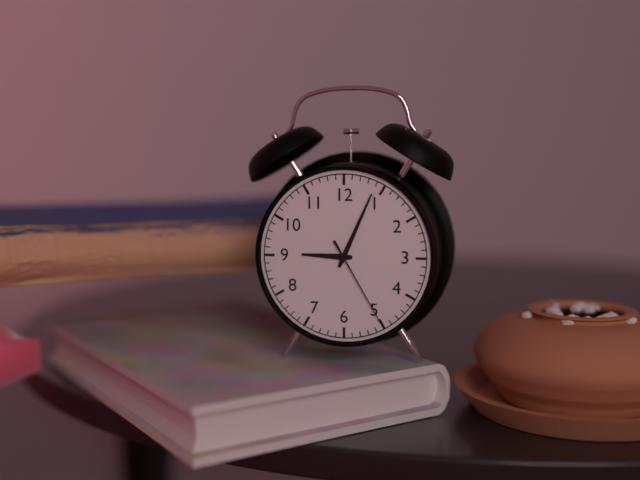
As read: {"hour": 9, "minute": 4, "second": 25}
